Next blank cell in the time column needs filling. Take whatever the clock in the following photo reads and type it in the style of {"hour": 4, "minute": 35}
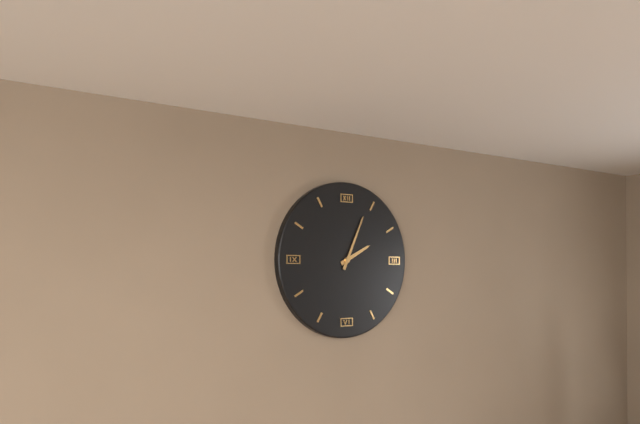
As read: {"hour": 2, "minute": 4}
